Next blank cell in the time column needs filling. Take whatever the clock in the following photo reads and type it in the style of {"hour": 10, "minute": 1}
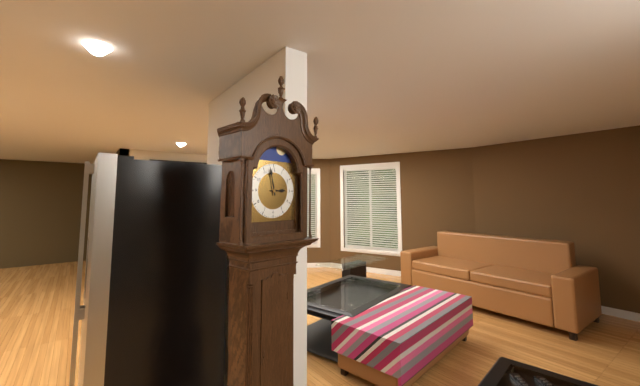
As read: {"hour": 2, "minute": 58}
